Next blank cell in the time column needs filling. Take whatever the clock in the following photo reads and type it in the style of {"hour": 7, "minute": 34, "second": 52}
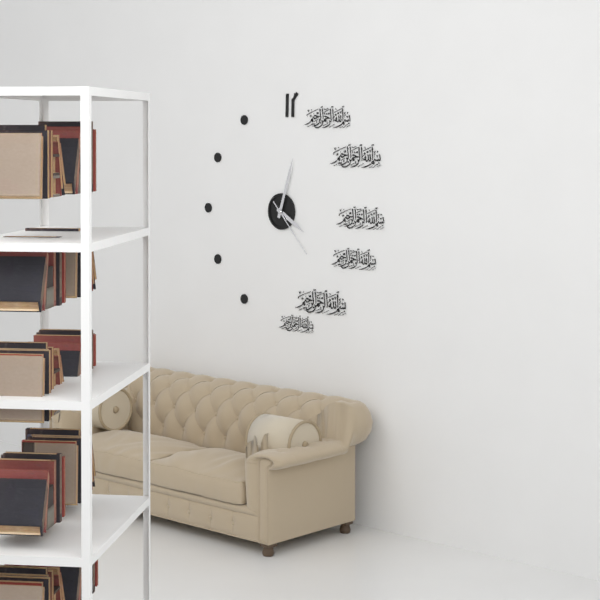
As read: {"hour": 4, "minute": 3, "second": 23}
